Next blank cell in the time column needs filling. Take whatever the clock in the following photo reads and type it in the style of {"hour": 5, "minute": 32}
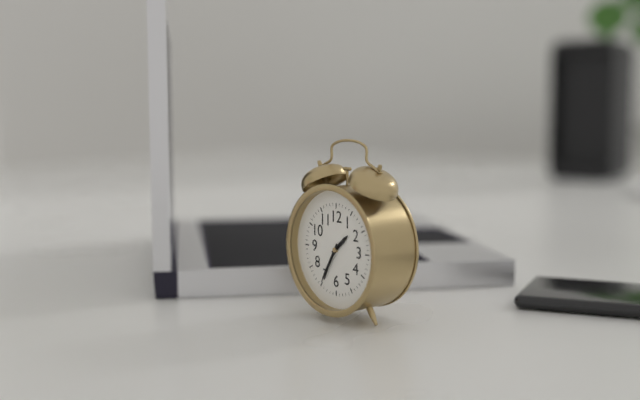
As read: {"hour": 1, "minute": 35}
